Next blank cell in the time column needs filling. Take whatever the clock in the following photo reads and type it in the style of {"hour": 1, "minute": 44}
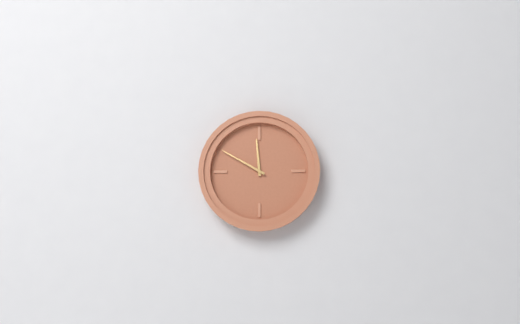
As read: {"hour": 11, "minute": 50}
